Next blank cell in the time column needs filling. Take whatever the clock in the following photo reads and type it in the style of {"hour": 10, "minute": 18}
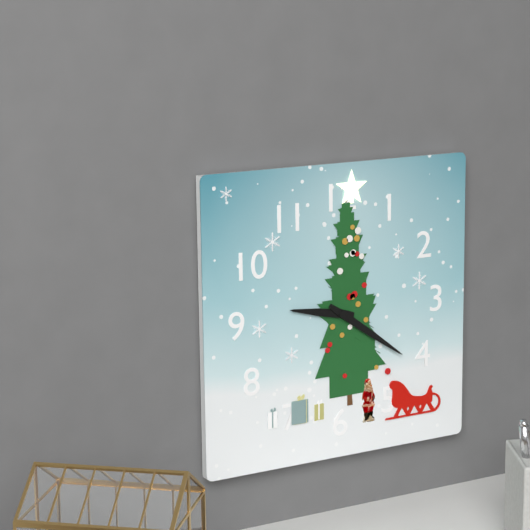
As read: {"hour": 9, "minute": 21}
